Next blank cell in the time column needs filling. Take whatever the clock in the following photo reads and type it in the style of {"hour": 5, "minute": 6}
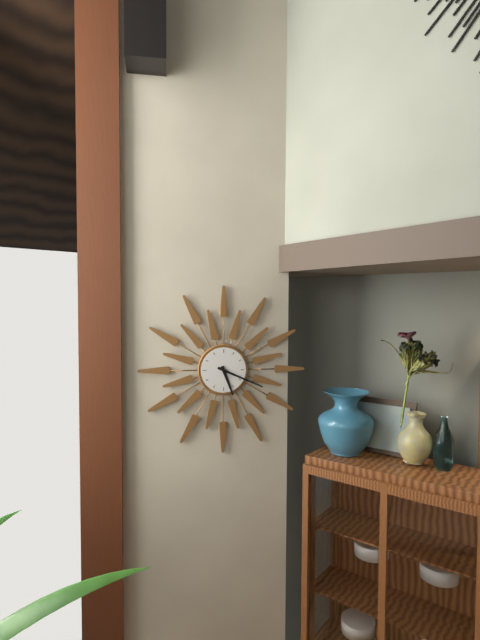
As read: {"hour": 5, "minute": 19}
